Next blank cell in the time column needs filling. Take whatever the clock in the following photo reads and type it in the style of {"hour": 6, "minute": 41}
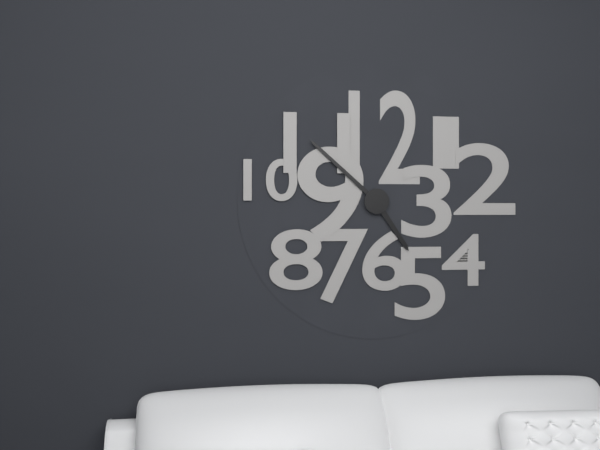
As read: {"hour": 4, "minute": 52}
